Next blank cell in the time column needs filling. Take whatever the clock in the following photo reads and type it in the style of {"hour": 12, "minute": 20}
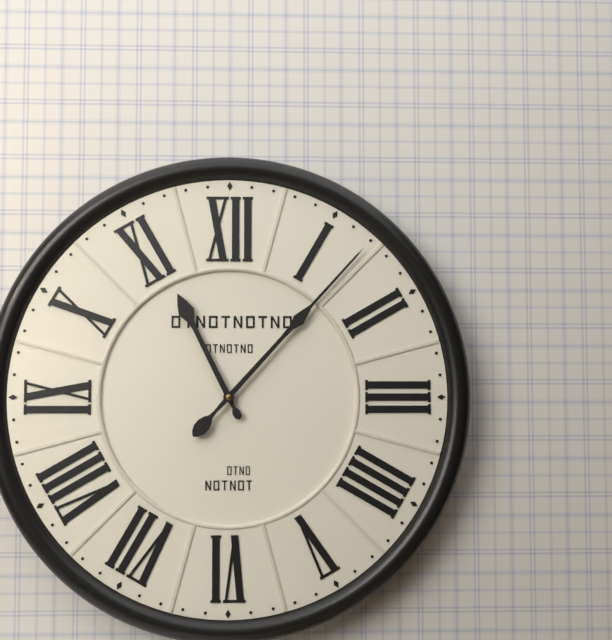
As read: {"hour": 11, "minute": 7}
